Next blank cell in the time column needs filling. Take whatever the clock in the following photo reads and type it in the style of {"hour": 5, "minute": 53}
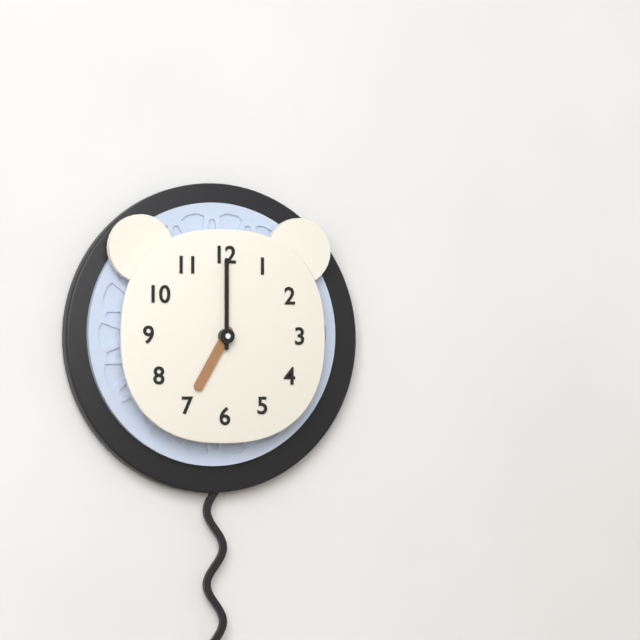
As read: {"hour": 7, "minute": 0}
